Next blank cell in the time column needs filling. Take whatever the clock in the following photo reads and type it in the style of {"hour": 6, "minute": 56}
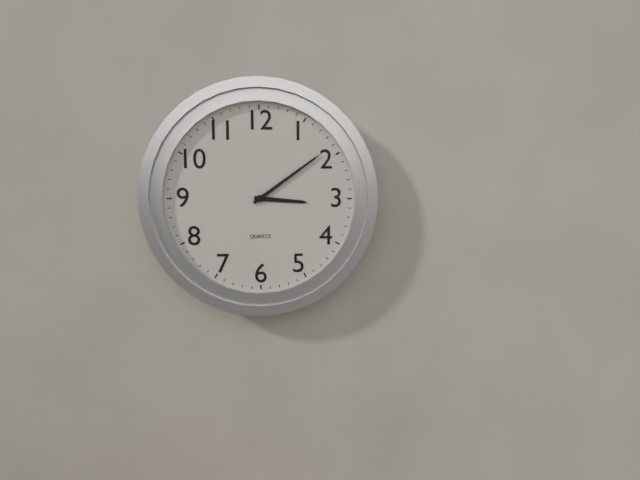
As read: {"hour": 3, "minute": 9}
